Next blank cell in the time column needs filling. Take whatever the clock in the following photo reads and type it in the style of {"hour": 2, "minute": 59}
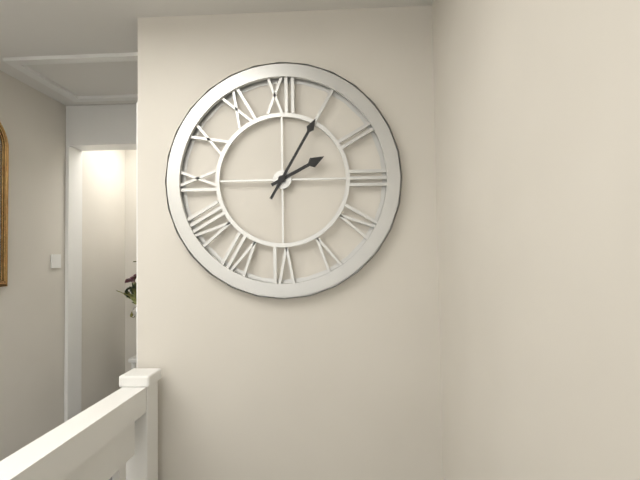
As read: {"hour": 2, "minute": 5}
